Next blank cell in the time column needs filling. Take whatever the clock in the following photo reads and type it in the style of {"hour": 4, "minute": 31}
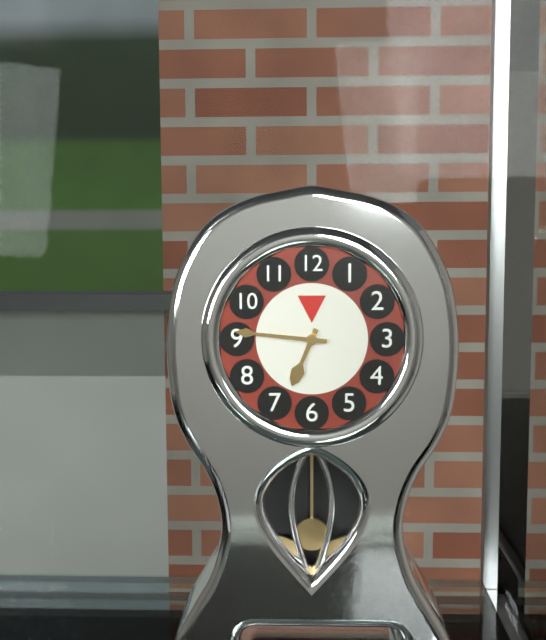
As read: {"hour": 6, "minute": 46}
